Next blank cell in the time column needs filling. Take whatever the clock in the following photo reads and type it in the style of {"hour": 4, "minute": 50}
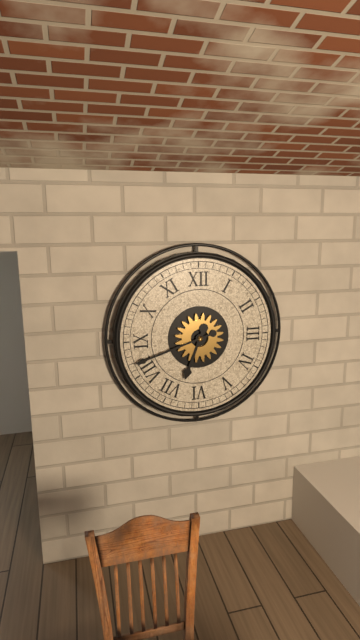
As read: {"hour": 6, "minute": 42}
